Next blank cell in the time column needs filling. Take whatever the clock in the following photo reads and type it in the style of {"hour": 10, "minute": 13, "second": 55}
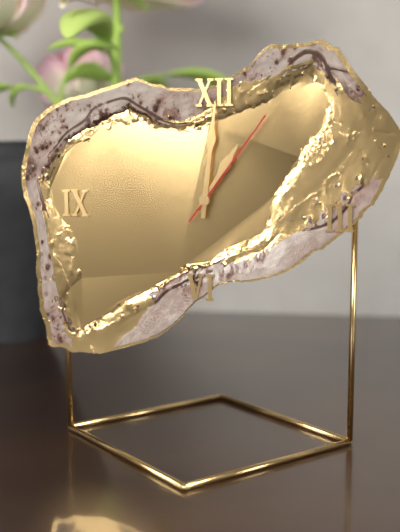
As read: {"hour": 1, "minute": 1, "second": 6}
